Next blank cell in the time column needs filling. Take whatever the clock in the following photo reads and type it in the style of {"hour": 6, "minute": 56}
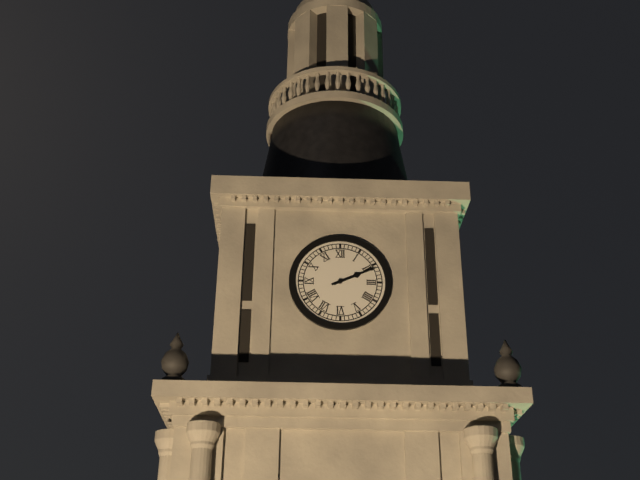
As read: {"hour": 2, "minute": 11}
